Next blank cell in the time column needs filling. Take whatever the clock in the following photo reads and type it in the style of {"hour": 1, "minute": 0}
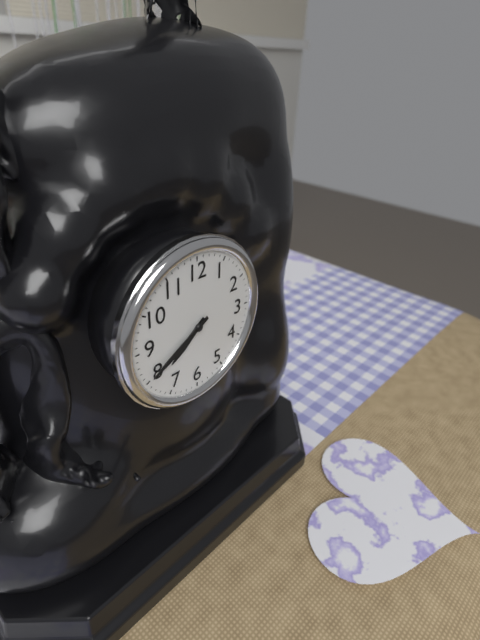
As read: {"hour": 7, "minute": 40}
